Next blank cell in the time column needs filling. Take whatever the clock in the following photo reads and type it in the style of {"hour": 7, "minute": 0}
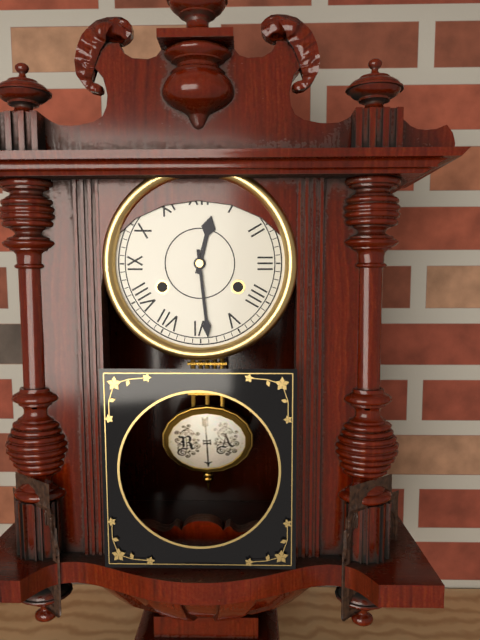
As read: {"hour": 12, "minute": 29}
